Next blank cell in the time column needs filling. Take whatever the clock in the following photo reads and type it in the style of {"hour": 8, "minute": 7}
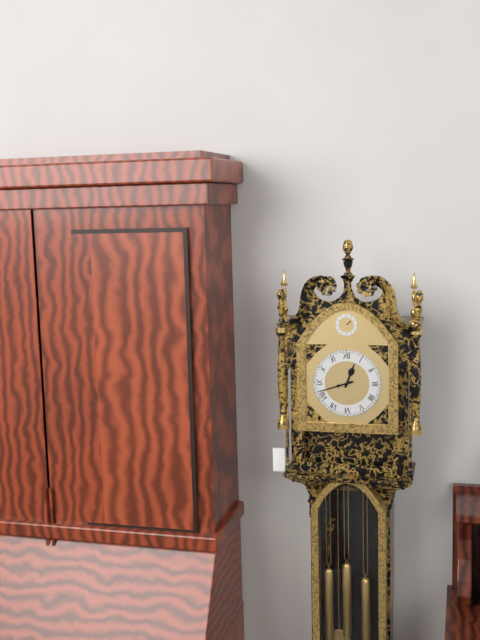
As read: {"hour": 12, "minute": 42}
